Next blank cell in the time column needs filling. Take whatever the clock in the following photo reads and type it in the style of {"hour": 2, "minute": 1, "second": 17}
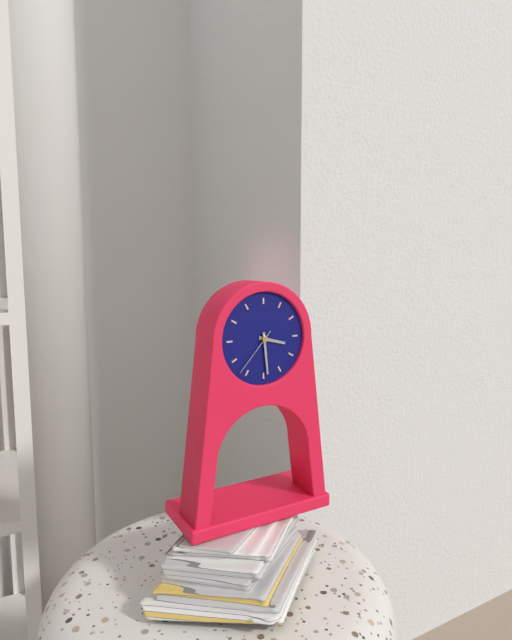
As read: {"hour": 3, "minute": 29, "second": 37}
